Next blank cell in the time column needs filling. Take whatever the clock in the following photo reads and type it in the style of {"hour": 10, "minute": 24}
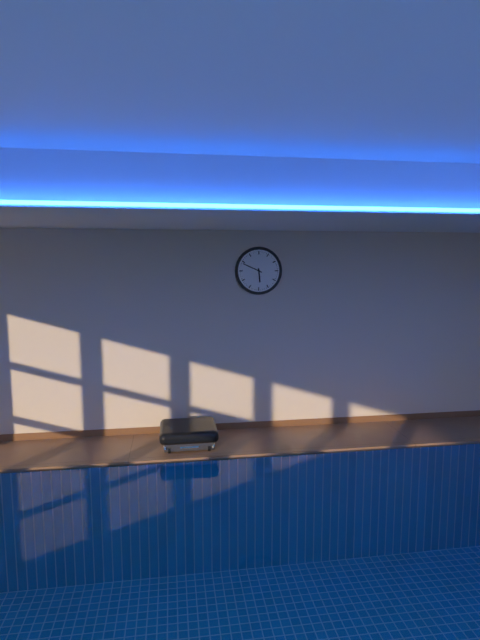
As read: {"hour": 5, "minute": 49}
